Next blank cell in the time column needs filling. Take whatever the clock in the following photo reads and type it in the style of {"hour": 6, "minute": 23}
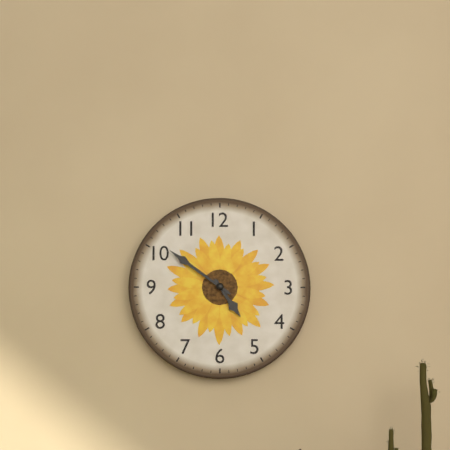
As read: {"hour": 4, "minute": 51}
